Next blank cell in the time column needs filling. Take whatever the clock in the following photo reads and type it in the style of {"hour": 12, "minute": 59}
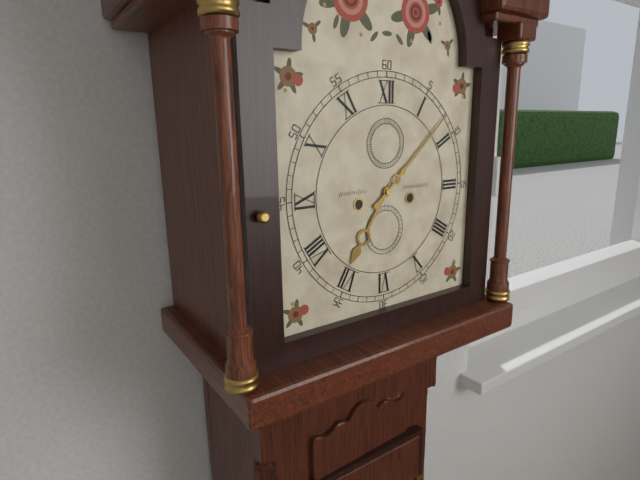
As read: {"hour": 7, "minute": 8}
